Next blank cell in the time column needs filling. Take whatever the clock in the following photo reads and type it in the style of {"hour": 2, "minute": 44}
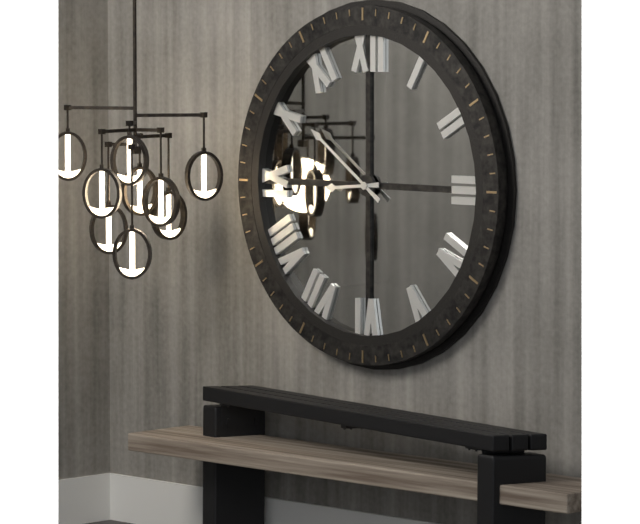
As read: {"hour": 8, "minute": 51}
